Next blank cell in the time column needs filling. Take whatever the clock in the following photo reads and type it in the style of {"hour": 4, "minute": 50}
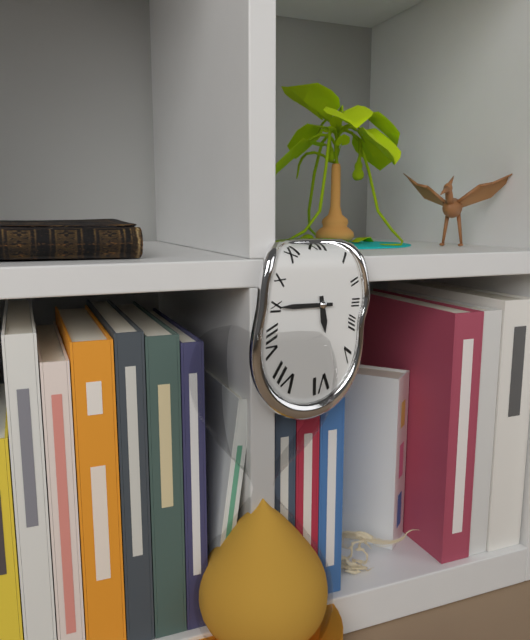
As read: {"hour": 5, "minute": 45}
